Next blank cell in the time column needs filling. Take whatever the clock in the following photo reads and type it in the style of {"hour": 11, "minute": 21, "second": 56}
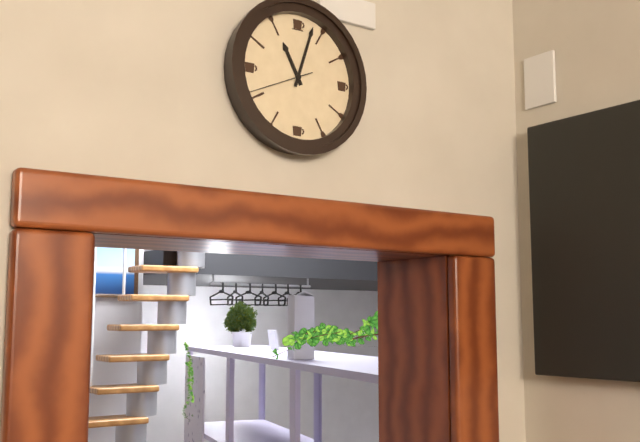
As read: {"hour": 11, "minute": 3, "second": 41}
